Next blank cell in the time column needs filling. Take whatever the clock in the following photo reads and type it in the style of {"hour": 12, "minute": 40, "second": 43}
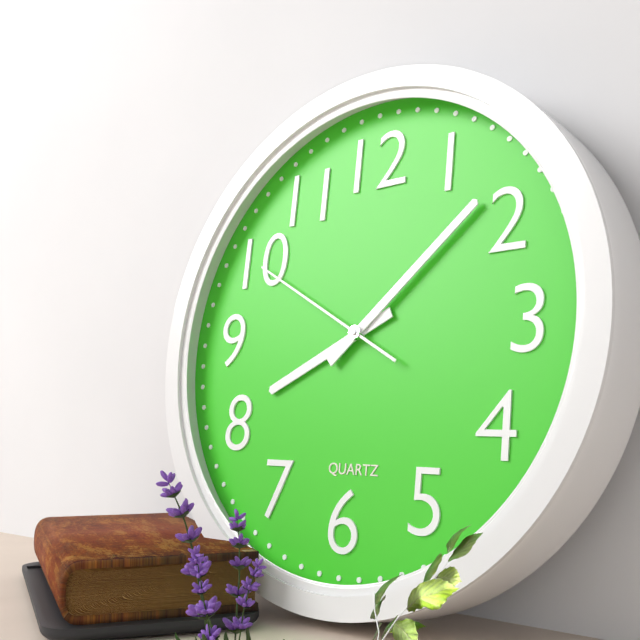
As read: {"hour": 8, "minute": 8, "second": 50}
